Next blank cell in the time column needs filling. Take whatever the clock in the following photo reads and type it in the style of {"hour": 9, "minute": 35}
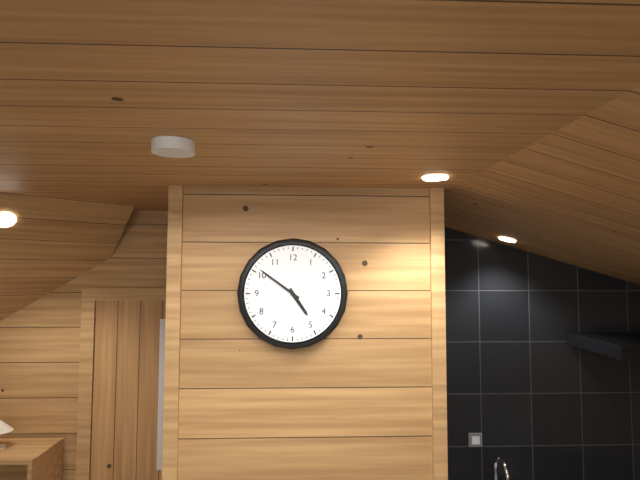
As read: {"hour": 4, "minute": 51}
